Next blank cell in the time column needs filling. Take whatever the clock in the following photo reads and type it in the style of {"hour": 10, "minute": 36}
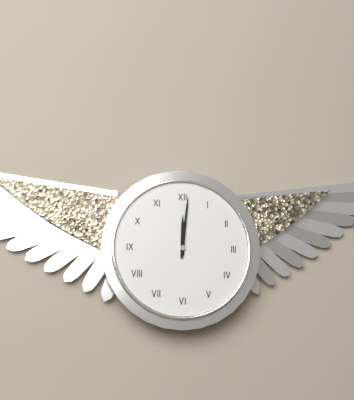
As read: {"hour": 12, "minute": 1}
